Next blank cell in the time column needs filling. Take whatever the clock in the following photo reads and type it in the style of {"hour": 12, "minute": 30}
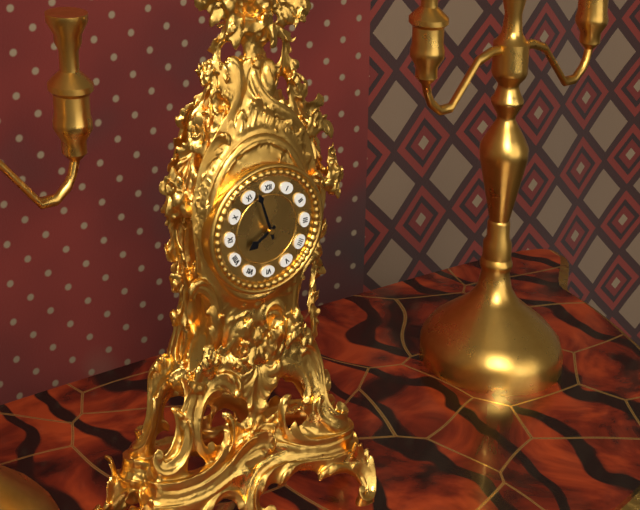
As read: {"hour": 7, "minute": 57}
